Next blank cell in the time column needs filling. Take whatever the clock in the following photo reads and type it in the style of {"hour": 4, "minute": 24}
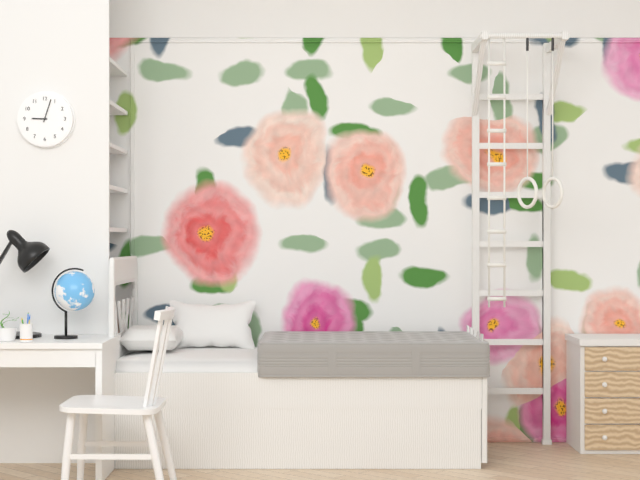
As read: {"hour": 9, "minute": 3}
